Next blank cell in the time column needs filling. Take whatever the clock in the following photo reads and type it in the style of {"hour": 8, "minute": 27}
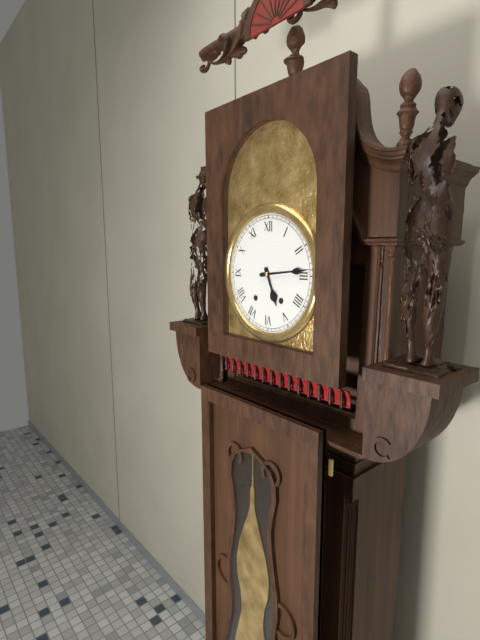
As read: {"hour": 5, "minute": 14}
